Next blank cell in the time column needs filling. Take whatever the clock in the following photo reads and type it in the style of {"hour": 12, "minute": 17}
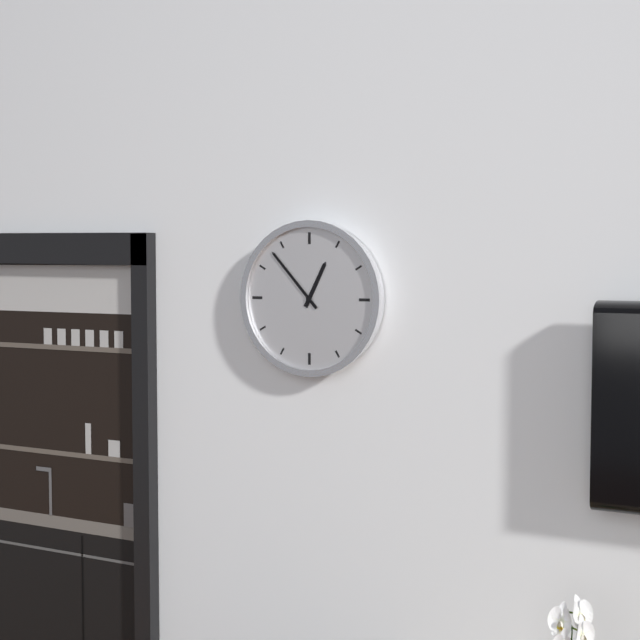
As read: {"hour": 12, "minute": 53}
